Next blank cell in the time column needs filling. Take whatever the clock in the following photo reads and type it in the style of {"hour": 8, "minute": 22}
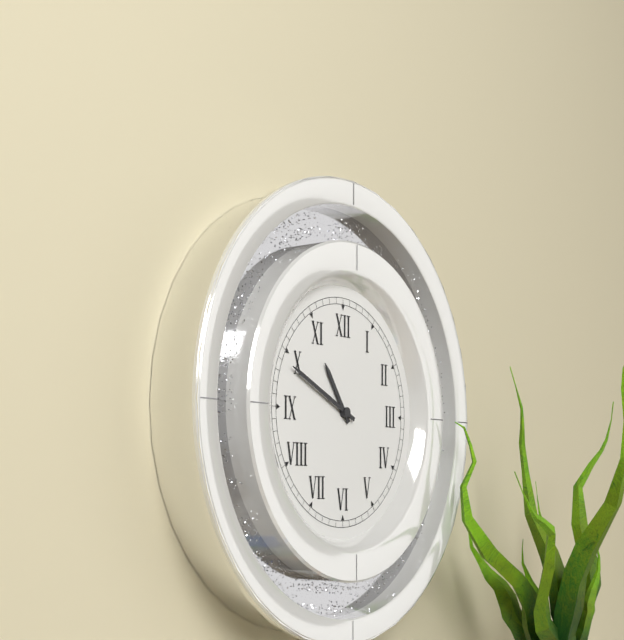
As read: {"hour": 10, "minute": 49}
